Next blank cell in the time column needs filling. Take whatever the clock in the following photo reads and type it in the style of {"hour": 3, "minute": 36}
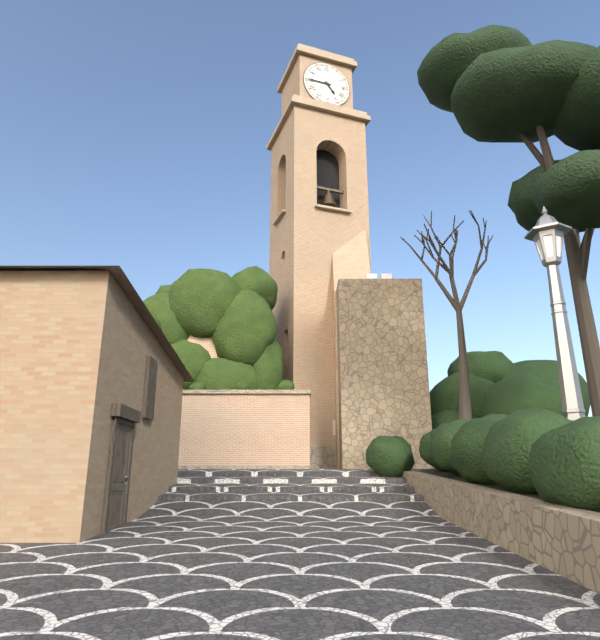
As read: {"hour": 4, "minute": 45}
